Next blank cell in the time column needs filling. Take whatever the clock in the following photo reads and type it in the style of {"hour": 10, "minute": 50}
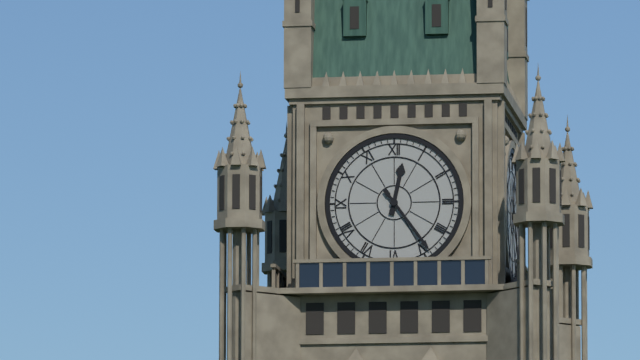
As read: {"hour": 12, "minute": 24}
